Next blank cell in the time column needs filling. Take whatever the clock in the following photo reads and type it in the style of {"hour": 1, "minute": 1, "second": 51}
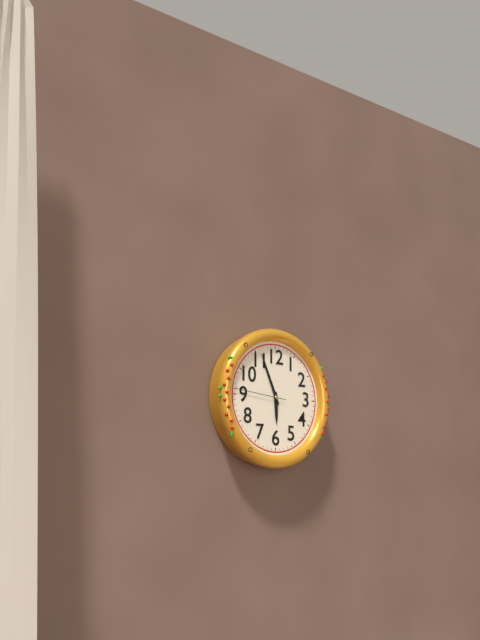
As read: {"hour": 5, "minute": 56, "second": 46}
